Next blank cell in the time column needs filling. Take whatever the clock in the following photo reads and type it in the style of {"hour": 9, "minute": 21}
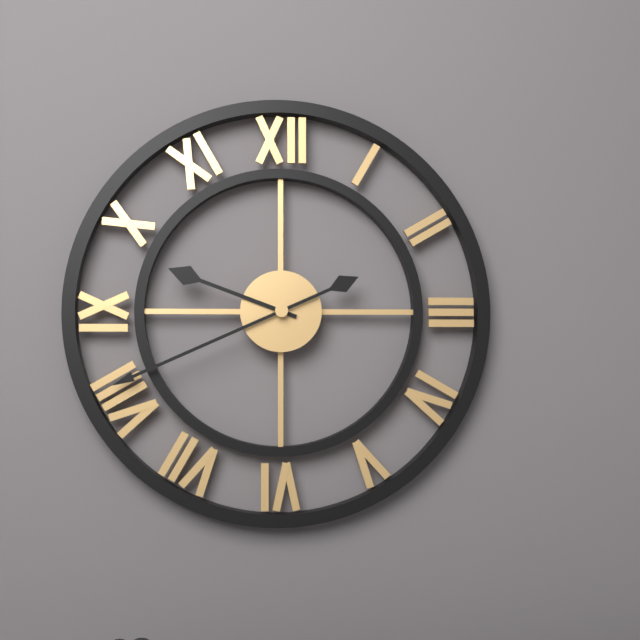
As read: {"hour": 9, "minute": 41}
